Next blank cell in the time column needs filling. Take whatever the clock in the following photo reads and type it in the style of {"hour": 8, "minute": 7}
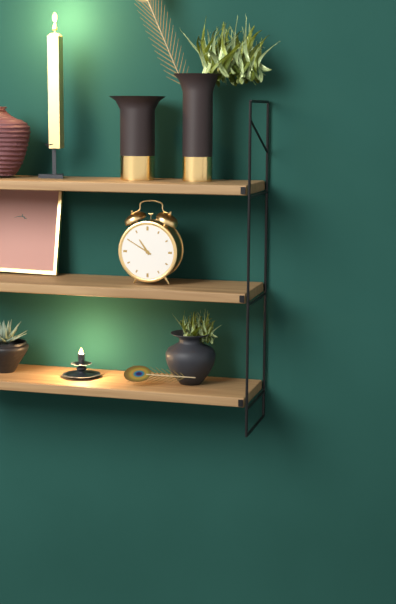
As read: {"hour": 10, "minute": 50}
